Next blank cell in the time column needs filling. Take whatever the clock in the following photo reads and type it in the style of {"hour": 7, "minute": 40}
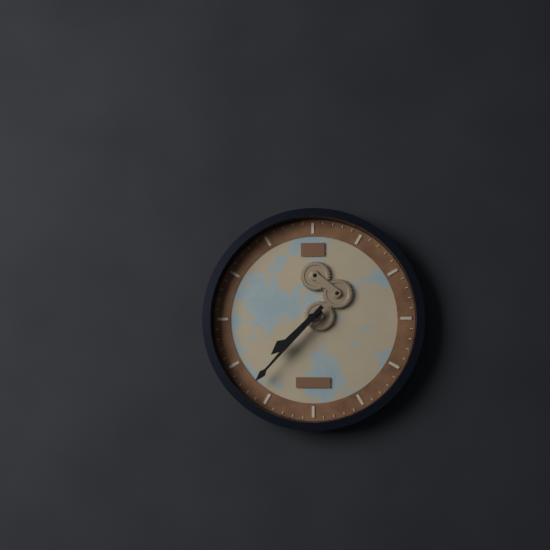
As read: {"hour": 7, "minute": 37}
